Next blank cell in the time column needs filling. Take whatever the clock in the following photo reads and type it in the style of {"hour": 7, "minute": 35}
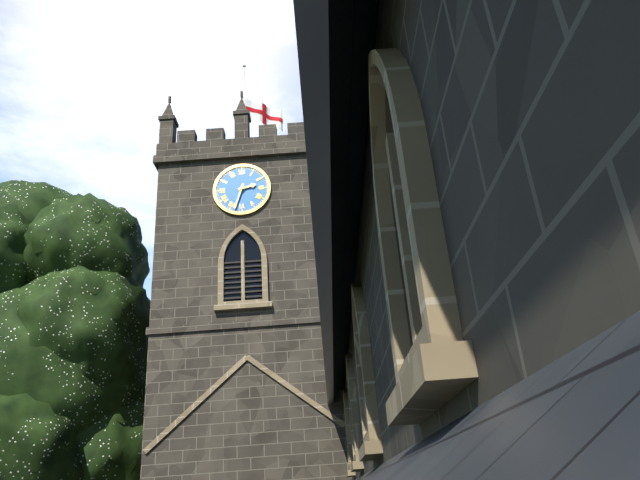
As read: {"hour": 2, "minute": 33}
